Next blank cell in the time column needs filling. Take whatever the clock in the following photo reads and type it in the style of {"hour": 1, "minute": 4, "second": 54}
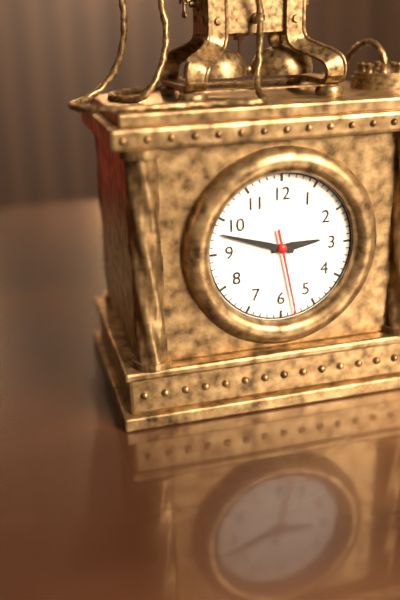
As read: {"hour": 2, "minute": 48, "second": 28}
